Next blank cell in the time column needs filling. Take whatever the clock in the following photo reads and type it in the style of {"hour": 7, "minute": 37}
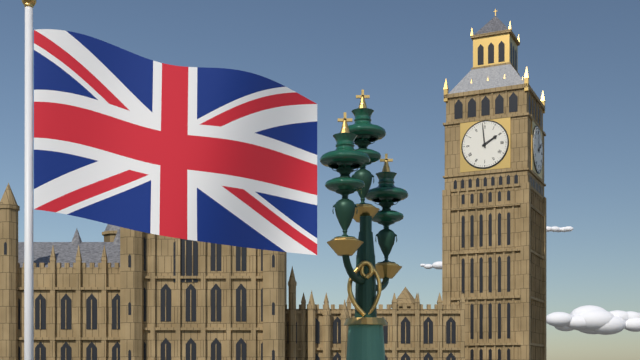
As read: {"hour": 1, "minute": 59}
